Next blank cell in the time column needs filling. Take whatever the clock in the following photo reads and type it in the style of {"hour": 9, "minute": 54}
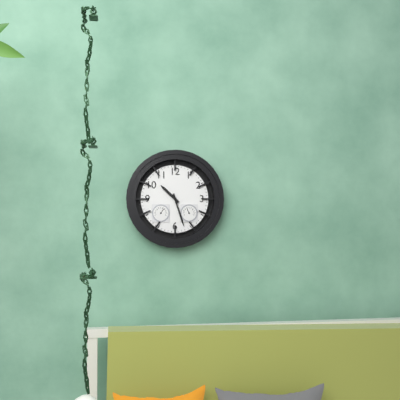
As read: {"hour": 10, "minute": 27}
